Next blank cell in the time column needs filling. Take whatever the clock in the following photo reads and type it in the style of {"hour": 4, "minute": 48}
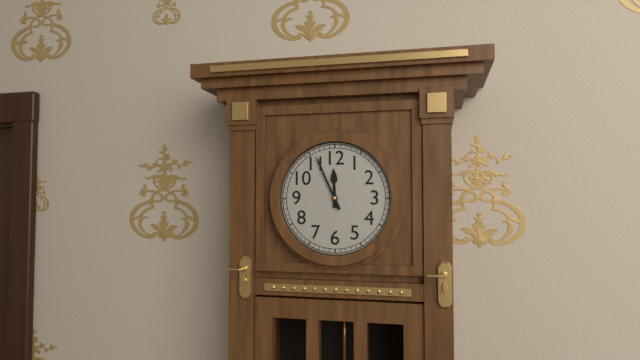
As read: {"hour": 11, "minute": 56}
